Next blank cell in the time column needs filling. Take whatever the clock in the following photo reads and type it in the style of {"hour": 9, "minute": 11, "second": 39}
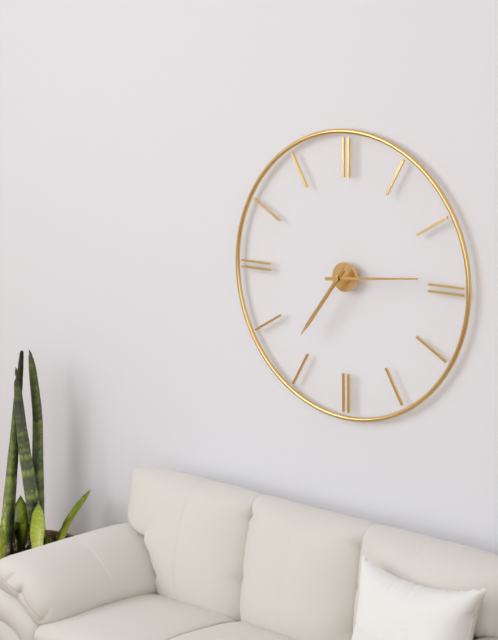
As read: {"hour": 7, "minute": 14, "second": 36}
